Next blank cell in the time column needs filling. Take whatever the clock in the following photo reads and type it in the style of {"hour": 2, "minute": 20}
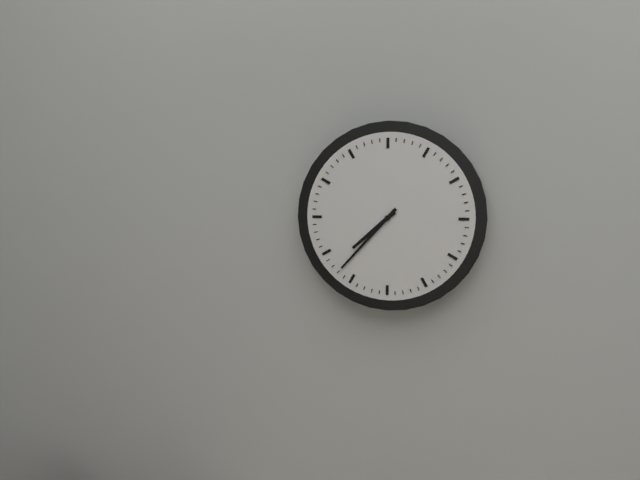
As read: {"hour": 7, "minute": 37}
